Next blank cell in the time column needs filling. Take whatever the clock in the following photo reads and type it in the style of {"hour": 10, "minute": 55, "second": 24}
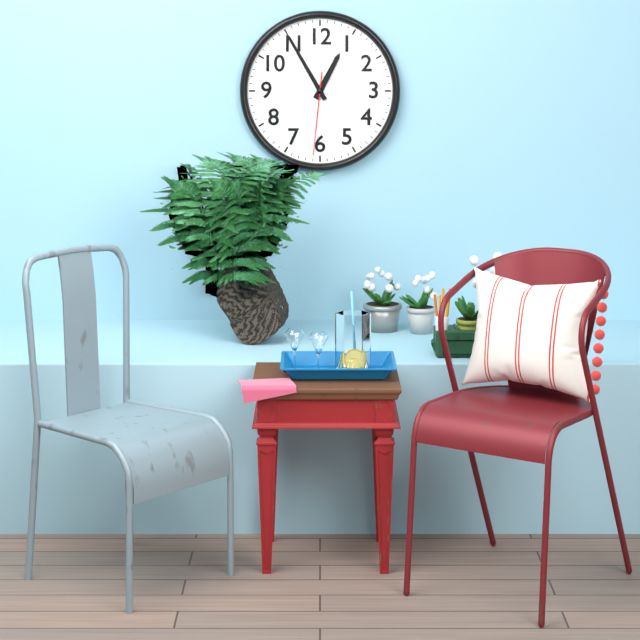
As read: {"hour": 12, "minute": 55, "second": 31}
